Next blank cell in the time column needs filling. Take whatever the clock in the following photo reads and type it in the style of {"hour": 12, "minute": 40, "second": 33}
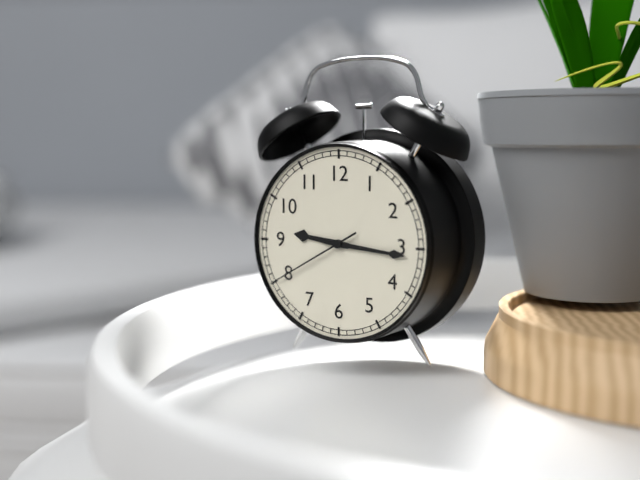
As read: {"hour": 9, "minute": 16, "second": 40}
